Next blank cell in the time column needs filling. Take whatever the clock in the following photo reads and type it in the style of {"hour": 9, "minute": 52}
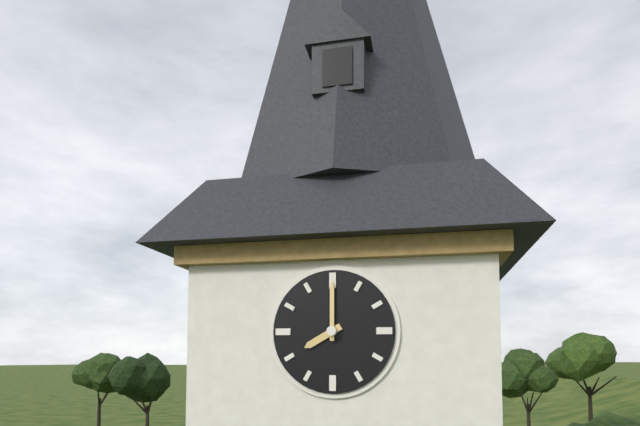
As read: {"hour": 8, "minute": 0}
